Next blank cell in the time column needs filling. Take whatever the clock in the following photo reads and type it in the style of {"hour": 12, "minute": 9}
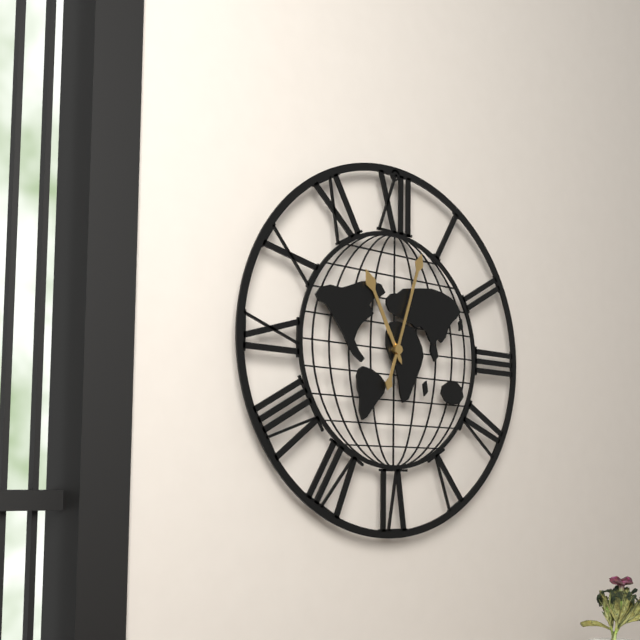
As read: {"hour": 11, "minute": 3}
